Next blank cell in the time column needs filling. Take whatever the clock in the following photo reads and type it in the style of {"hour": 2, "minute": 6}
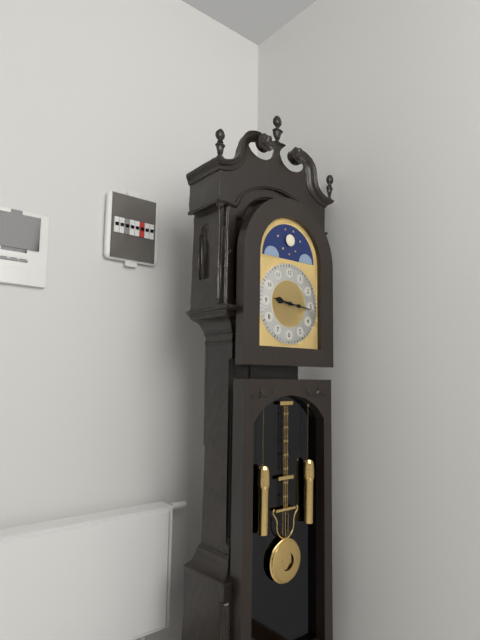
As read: {"hour": 9, "minute": 16}
